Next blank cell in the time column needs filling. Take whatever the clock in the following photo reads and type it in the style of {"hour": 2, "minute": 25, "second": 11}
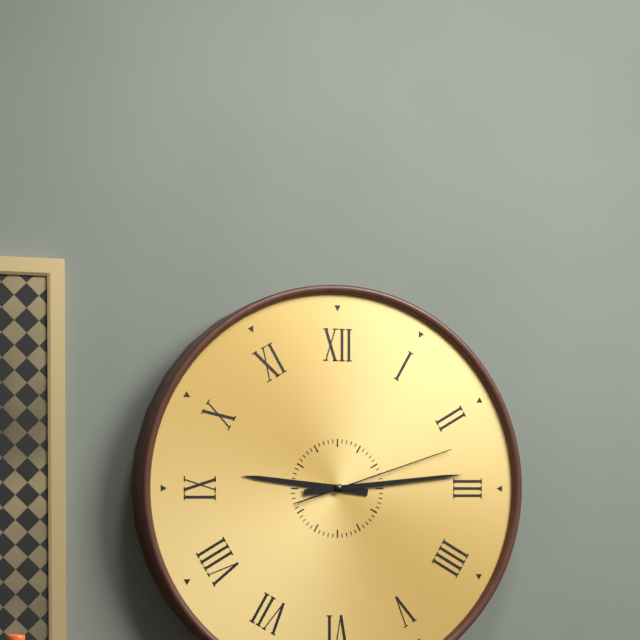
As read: {"hour": 9, "minute": 14, "second": 12}
